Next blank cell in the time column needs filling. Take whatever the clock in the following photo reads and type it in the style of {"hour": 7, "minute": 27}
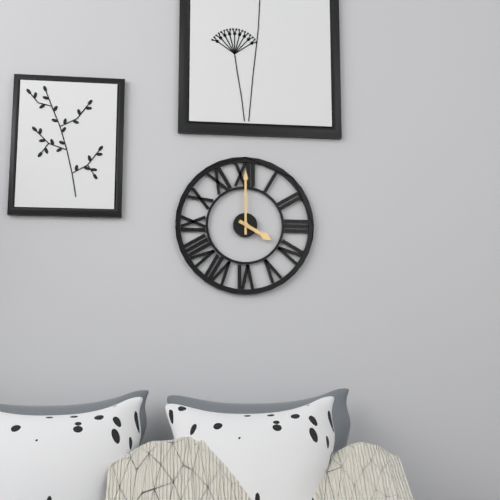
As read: {"hour": 4, "minute": 0}
